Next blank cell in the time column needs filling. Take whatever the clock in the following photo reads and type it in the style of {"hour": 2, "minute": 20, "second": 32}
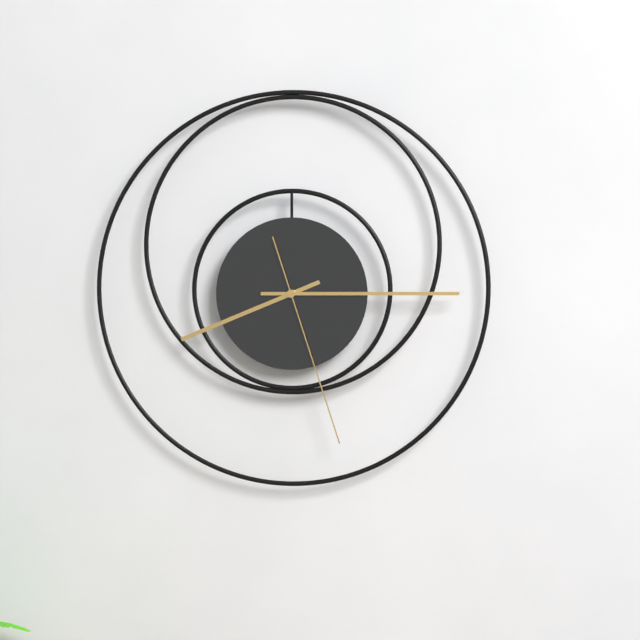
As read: {"hour": 8, "minute": 15, "second": 27}
